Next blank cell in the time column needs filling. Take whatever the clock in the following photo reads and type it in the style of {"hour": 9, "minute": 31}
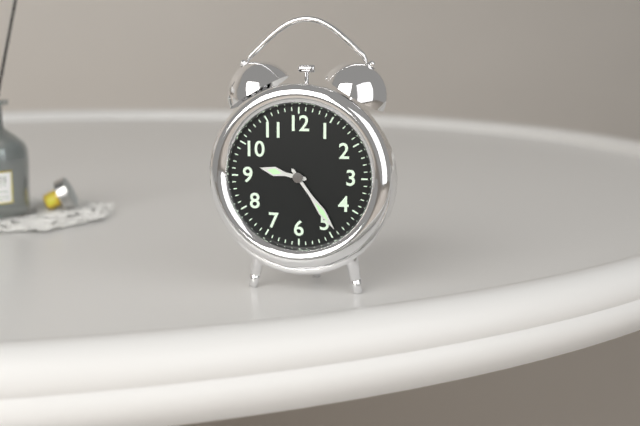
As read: {"hour": 9, "minute": 24}
